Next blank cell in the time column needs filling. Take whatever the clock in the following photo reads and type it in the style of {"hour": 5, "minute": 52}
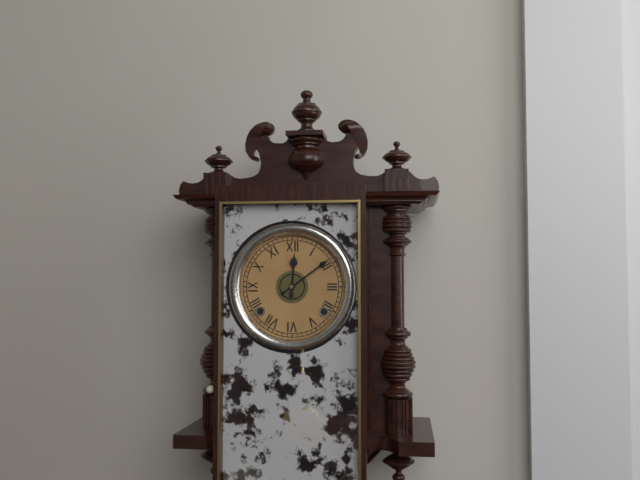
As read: {"hour": 12, "minute": 9}
